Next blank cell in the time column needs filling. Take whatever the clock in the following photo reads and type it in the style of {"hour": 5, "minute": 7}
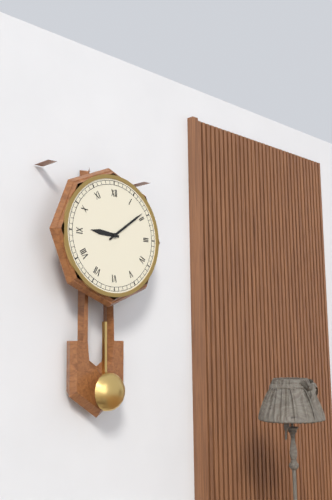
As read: {"hour": 9, "minute": 9}
